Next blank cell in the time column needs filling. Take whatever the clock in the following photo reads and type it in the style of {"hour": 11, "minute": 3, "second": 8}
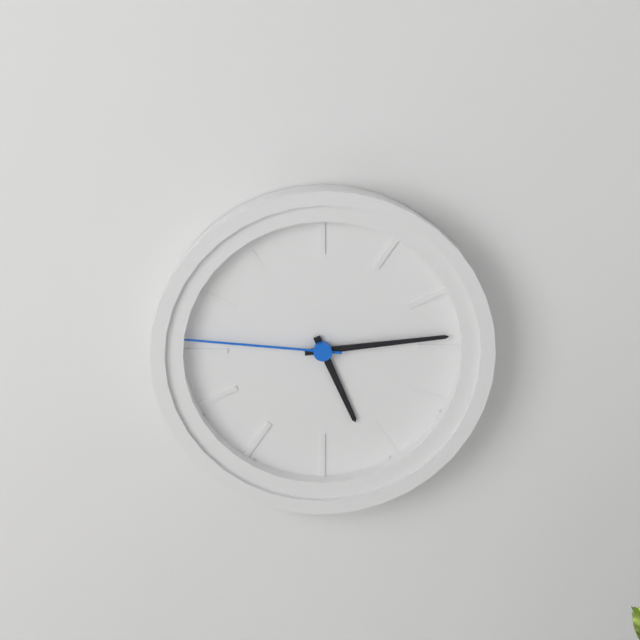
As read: {"hour": 5, "minute": 14, "second": 46}
